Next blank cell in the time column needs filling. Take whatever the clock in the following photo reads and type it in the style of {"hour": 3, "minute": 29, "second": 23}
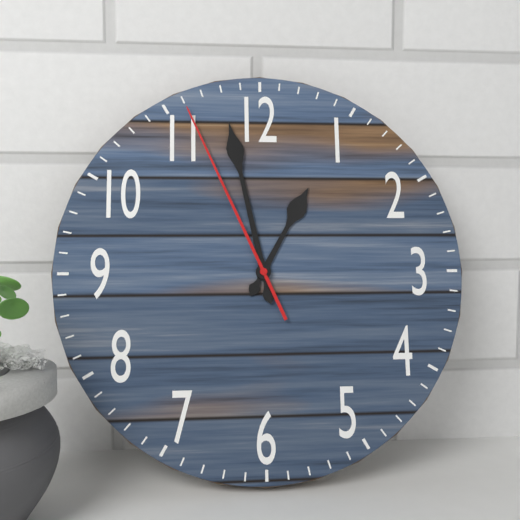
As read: {"hour": 12, "minute": 58, "second": 56}
